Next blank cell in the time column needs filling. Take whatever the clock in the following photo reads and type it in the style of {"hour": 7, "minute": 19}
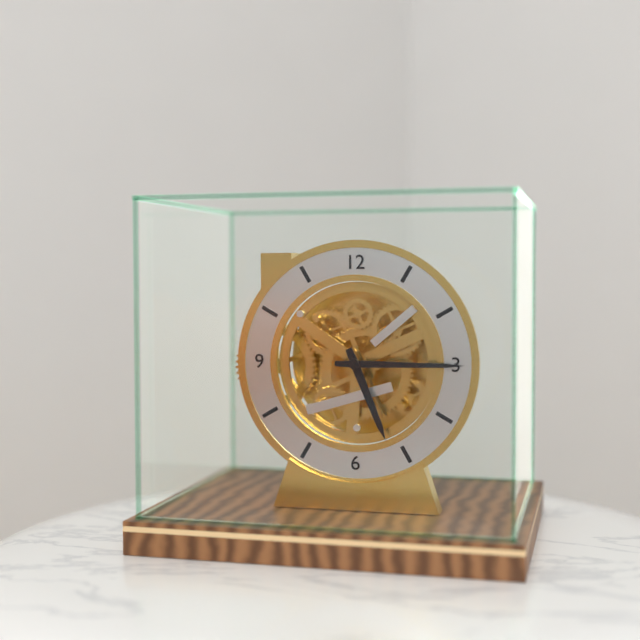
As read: {"hour": 5, "minute": 15}
